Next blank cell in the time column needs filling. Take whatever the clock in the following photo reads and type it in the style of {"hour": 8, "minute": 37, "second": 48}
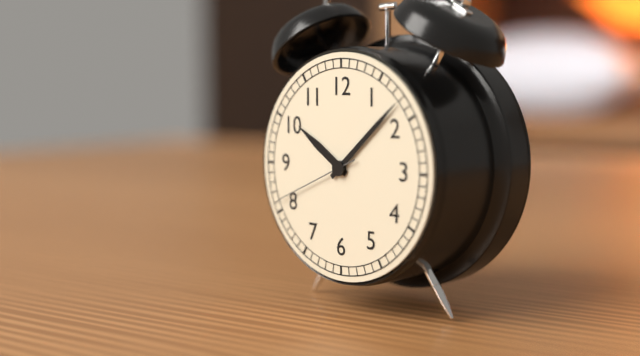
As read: {"hour": 10, "minute": 8, "second": 41}
